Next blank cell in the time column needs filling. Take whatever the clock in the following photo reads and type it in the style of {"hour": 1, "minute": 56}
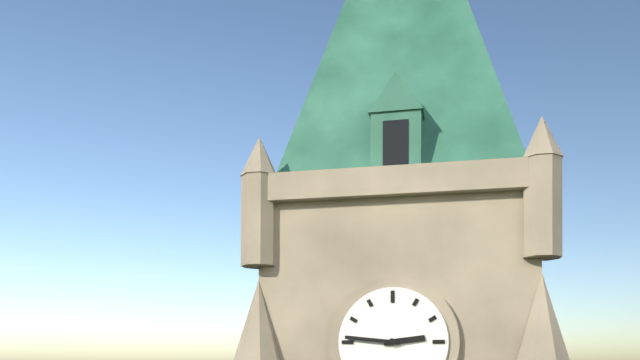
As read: {"hour": 2, "minute": 46}
